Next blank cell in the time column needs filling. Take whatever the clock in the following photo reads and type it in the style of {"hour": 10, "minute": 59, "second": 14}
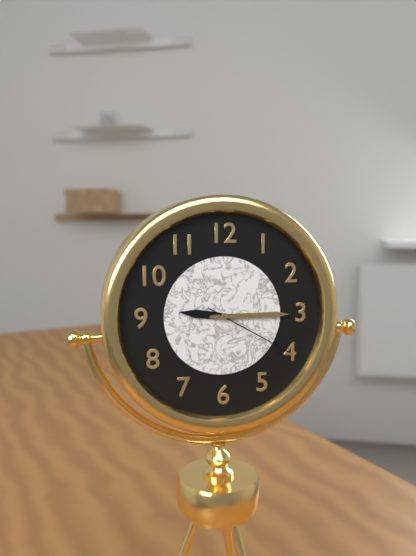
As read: {"hour": 9, "minute": 15, "second": 20}
